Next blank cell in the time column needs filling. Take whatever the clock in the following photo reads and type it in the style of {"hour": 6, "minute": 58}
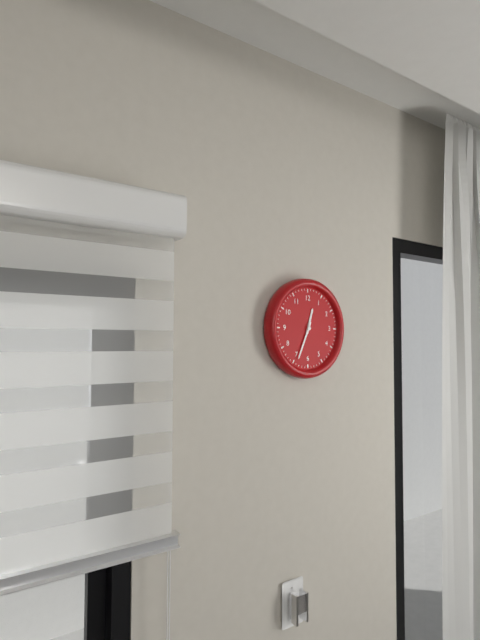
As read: {"hour": 12, "minute": 34}
